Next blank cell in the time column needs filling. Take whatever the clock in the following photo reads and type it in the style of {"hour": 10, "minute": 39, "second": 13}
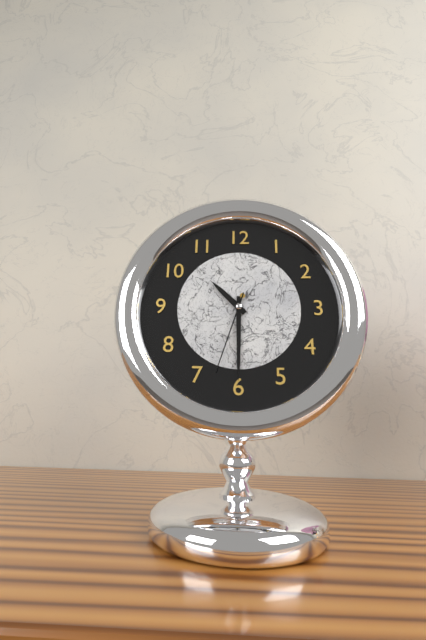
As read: {"hour": 10, "minute": 30, "second": 33}
